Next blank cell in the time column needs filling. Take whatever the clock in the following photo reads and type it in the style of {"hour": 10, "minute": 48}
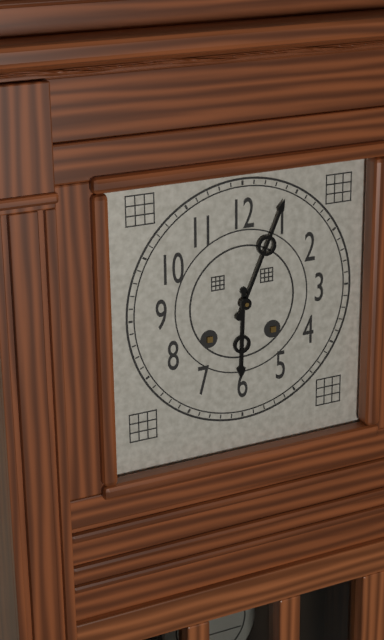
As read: {"hour": 6, "minute": 4}
